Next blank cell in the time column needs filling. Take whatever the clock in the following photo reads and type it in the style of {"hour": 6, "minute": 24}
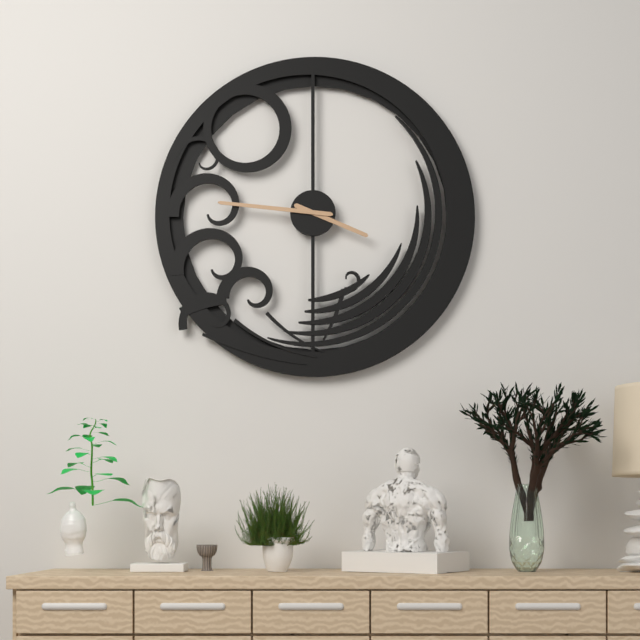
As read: {"hour": 3, "minute": 46}
